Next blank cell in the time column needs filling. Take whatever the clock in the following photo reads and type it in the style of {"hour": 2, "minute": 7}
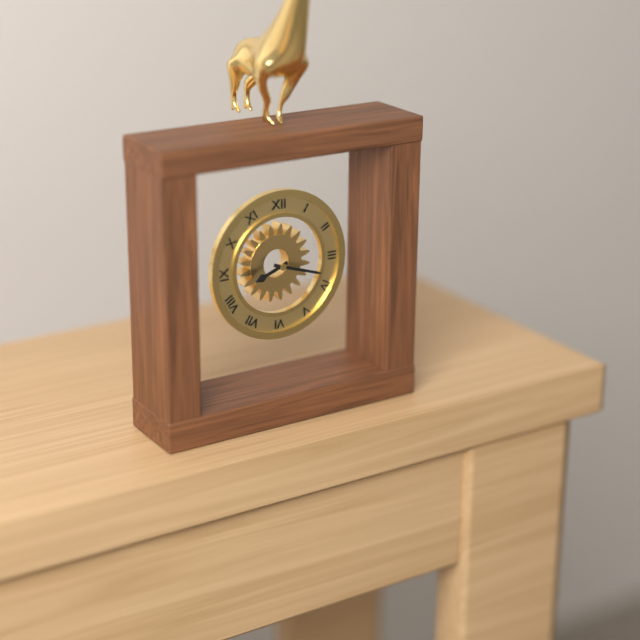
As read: {"hour": 8, "minute": 18}
